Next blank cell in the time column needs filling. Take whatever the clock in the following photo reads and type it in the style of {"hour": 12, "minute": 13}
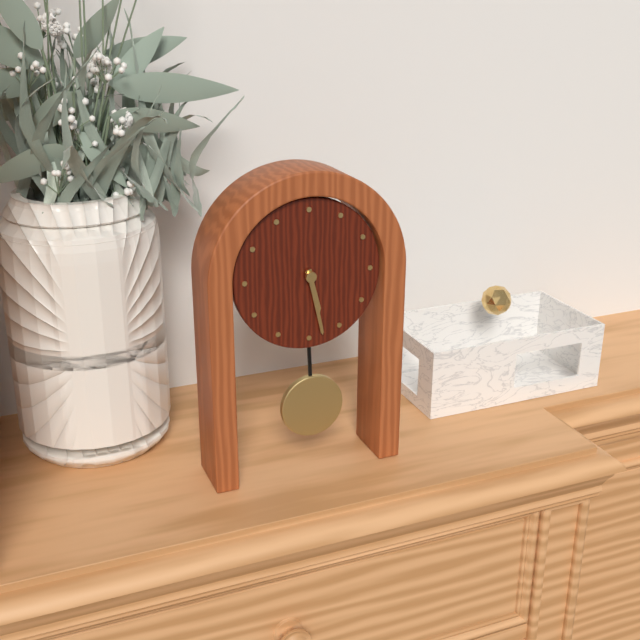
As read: {"hour": 5, "minute": 28}
